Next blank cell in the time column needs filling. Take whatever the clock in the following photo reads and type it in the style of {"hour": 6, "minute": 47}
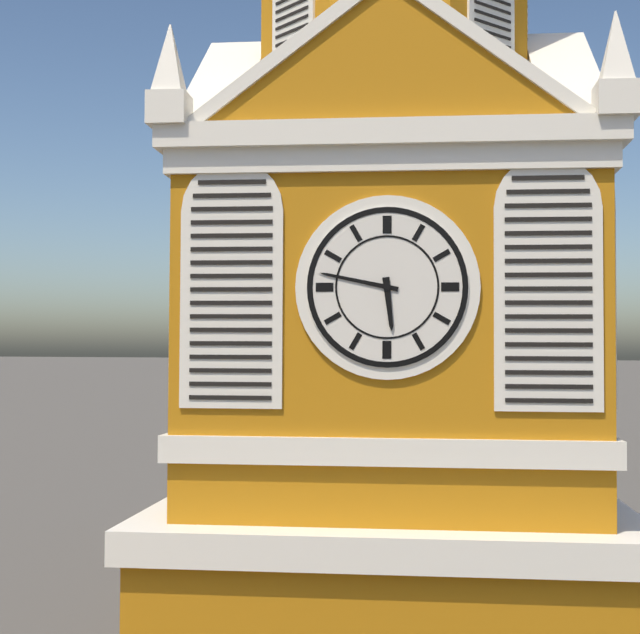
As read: {"hour": 5, "minute": 47}
